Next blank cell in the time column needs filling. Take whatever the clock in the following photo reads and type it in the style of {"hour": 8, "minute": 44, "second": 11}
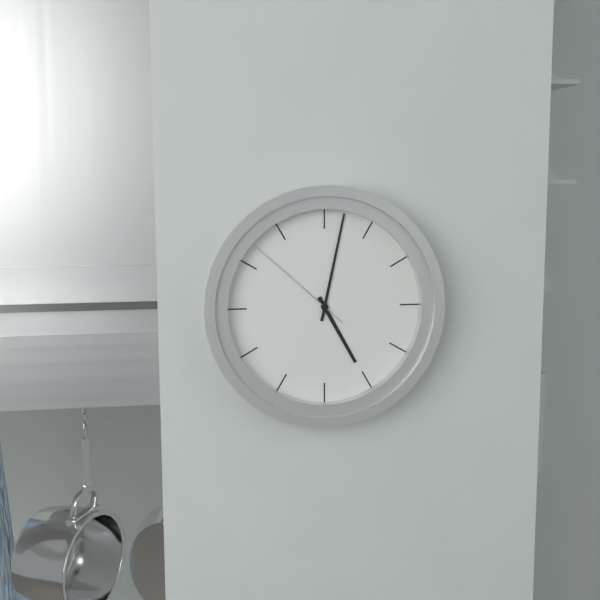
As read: {"hour": 5, "minute": 2, "second": 52}
